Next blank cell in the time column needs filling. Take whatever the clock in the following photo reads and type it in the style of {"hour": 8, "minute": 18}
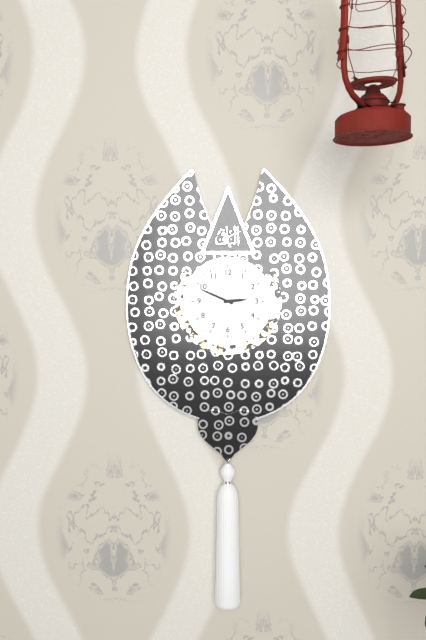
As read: {"hour": 2, "minute": 49}
